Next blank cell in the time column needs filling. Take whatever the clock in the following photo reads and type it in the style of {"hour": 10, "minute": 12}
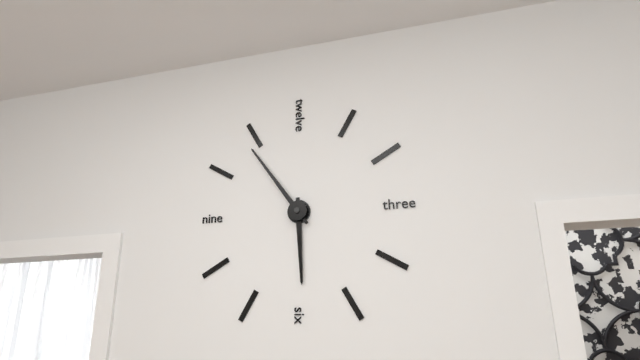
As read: {"hour": 5, "minute": 54}
